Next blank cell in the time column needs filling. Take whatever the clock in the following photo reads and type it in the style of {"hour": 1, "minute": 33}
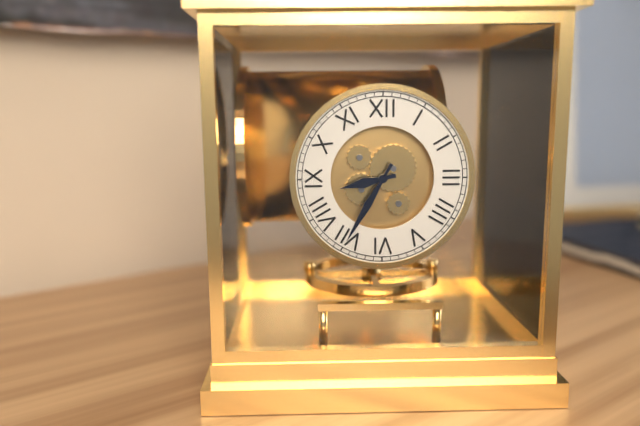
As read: {"hour": 8, "minute": 35}
